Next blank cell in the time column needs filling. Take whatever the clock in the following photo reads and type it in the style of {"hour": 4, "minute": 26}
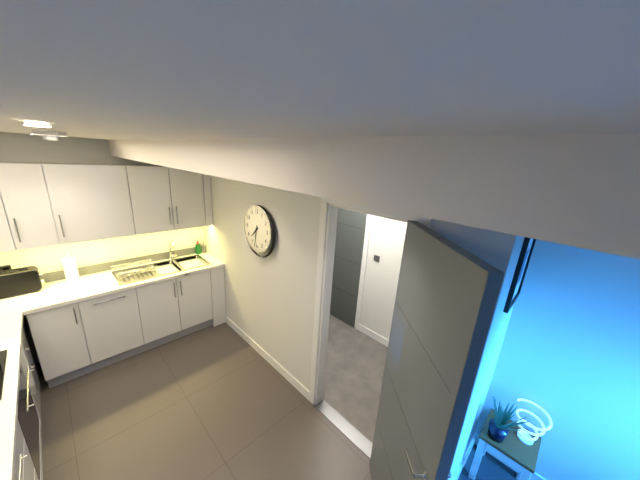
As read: {"hour": 7, "minute": 32}
